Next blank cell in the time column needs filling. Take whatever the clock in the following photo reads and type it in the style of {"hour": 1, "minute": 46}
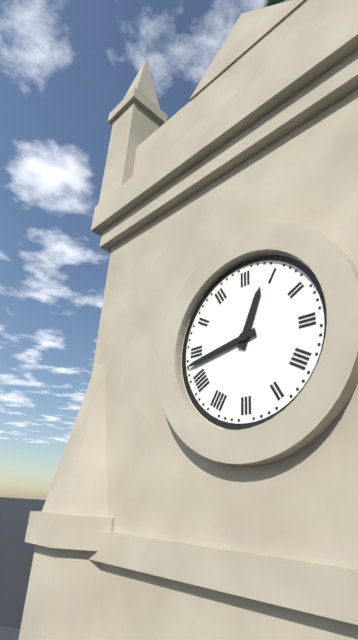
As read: {"hour": 12, "minute": 43}
